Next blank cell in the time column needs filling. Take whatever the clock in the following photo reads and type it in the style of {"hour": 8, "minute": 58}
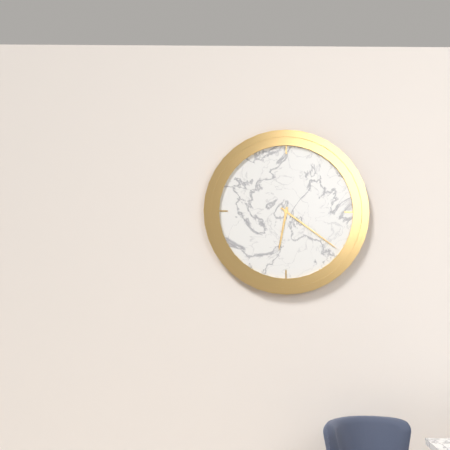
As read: {"hour": 6, "minute": 21}
